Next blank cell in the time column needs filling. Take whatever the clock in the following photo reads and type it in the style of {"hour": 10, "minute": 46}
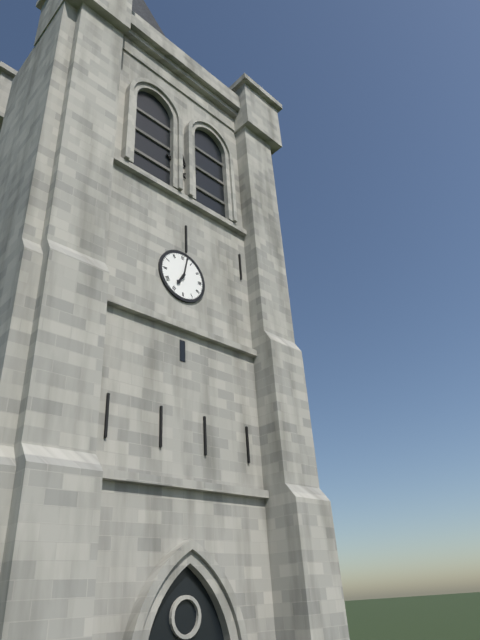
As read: {"hour": 7, "minute": 2}
